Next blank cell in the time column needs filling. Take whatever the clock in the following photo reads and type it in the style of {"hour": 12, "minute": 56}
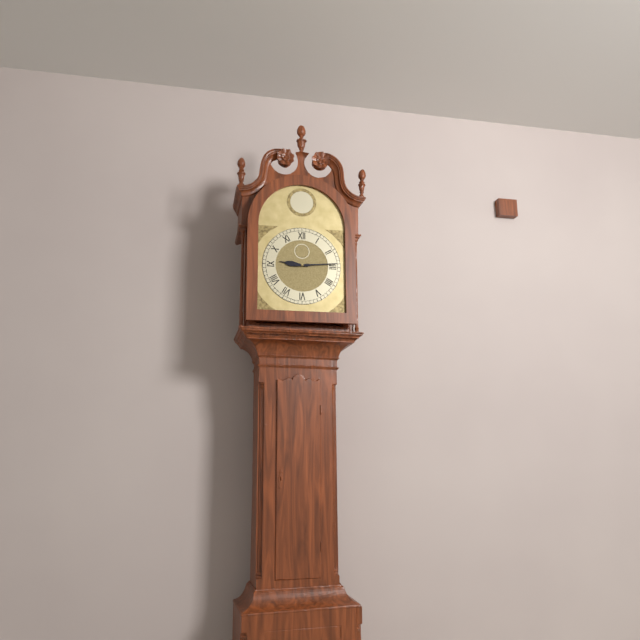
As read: {"hour": 9, "minute": 14}
